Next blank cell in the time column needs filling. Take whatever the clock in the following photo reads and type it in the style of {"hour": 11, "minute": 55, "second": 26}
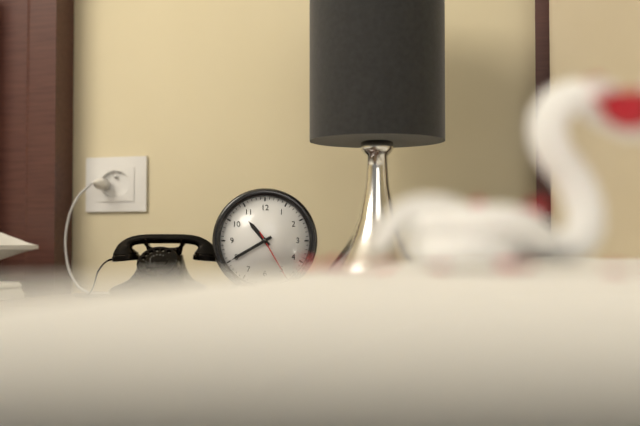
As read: {"hour": 10, "minute": 40, "second": 25}
